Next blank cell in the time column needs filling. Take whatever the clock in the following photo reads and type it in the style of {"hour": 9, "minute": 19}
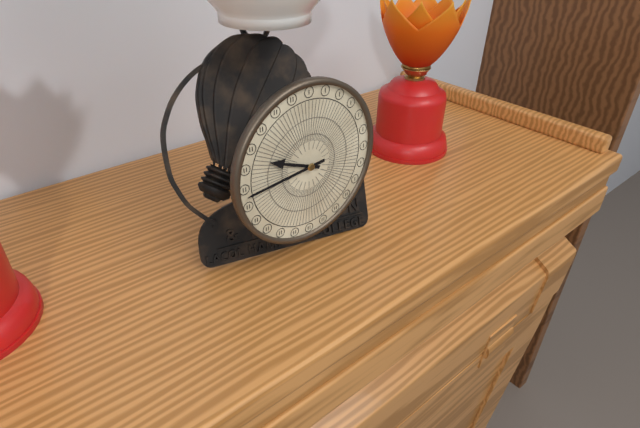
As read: {"hour": 9, "minute": 44}
